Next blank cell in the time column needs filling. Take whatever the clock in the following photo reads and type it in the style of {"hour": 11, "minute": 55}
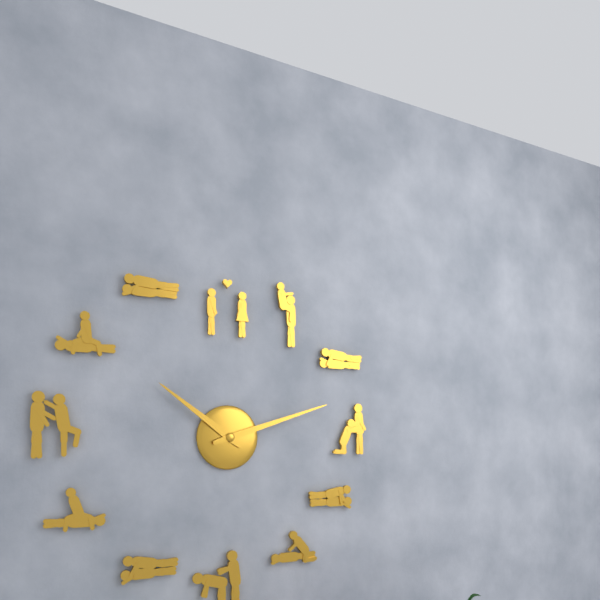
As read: {"hour": 10, "minute": 12}
